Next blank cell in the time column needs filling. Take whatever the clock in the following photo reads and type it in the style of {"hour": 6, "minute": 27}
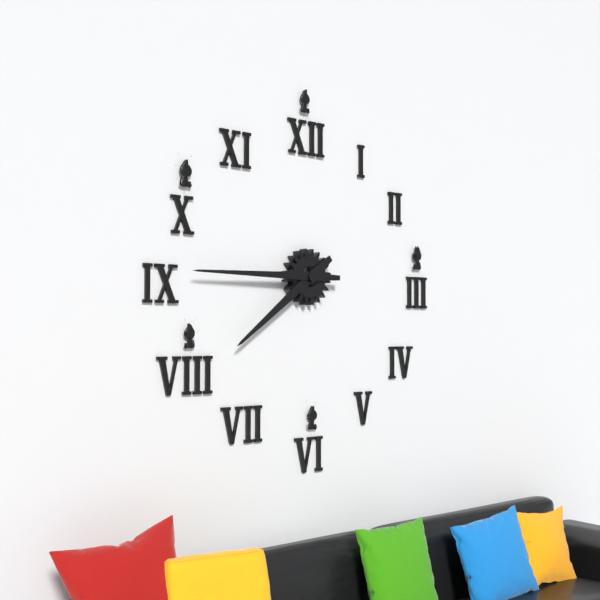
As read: {"hour": 7, "minute": 45}
